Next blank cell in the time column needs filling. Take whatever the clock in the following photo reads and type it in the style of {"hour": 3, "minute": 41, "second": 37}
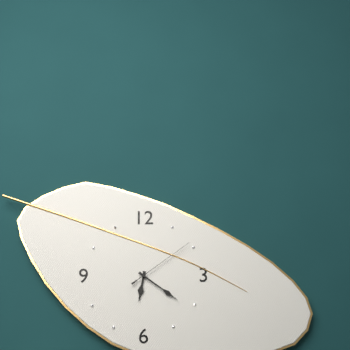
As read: {"hour": 6, "minute": 21, "second": 9}
